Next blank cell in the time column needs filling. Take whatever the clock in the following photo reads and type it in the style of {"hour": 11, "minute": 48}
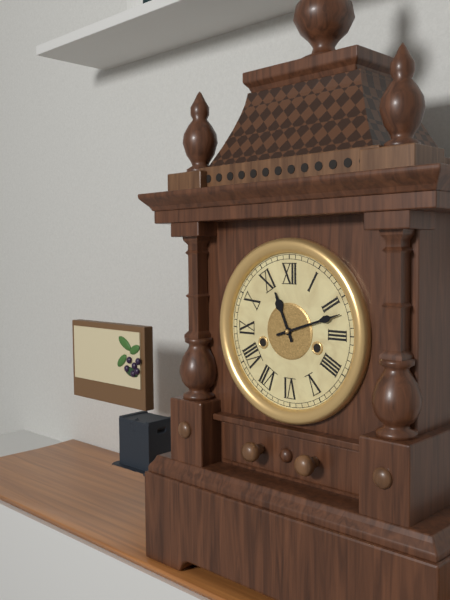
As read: {"hour": 11, "minute": 12}
